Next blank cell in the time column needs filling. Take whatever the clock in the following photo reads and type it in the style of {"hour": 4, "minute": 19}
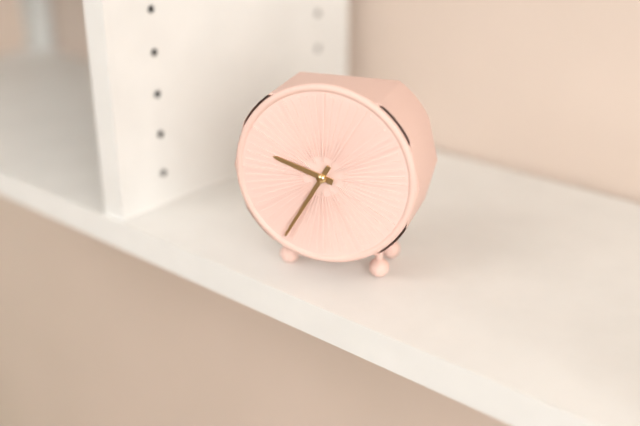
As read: {"hour": 9, "minute": 35}
